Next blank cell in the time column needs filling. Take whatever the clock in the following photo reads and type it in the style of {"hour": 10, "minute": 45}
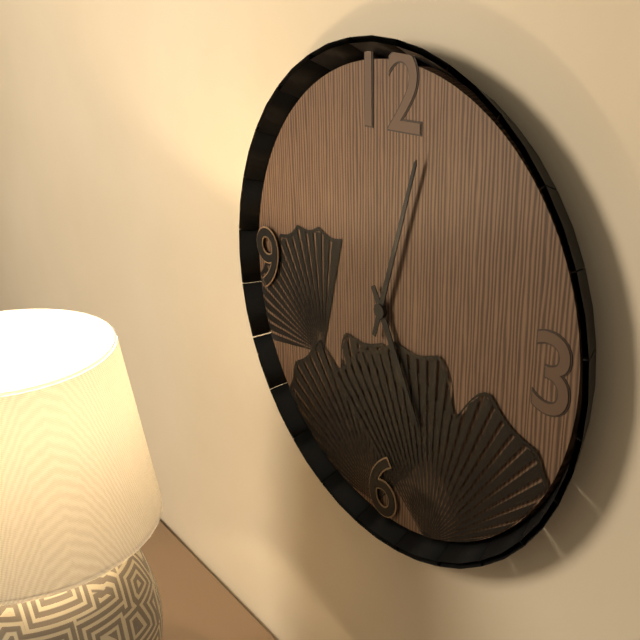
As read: {"hour": 5, "minute": 3}
